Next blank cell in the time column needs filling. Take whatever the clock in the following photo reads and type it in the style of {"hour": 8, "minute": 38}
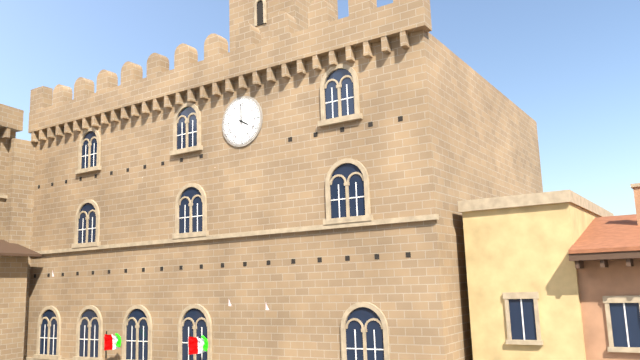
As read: {"hour": 4, "minute": 0}
